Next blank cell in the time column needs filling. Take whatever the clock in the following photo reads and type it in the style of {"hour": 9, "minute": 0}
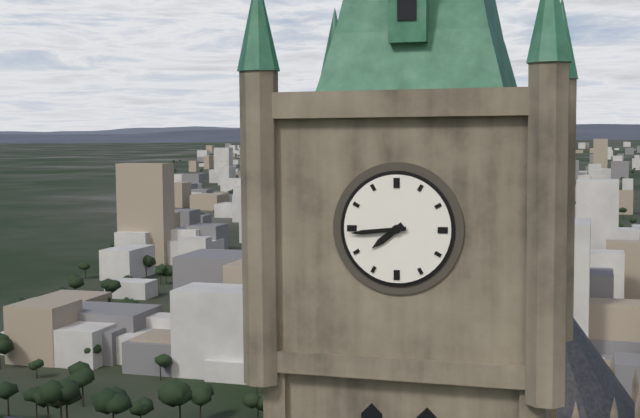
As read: {"hour": 7, "minute": 44}
